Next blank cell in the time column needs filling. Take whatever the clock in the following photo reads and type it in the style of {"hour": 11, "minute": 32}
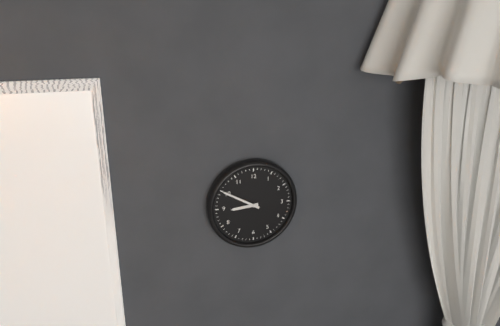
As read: {"hour": 8, "minute": 50}
